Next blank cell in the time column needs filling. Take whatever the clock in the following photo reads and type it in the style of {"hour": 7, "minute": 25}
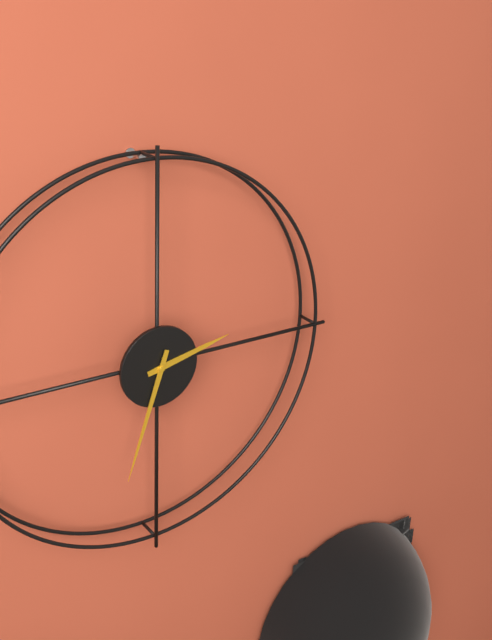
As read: {"hour": 2, "minute": 33}
